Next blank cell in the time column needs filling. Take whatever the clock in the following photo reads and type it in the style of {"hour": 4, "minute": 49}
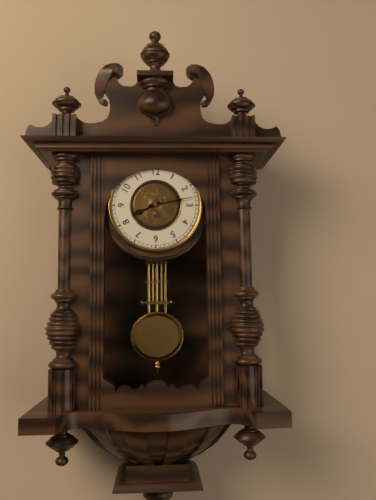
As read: {"hour": 8, "minute": 13}
